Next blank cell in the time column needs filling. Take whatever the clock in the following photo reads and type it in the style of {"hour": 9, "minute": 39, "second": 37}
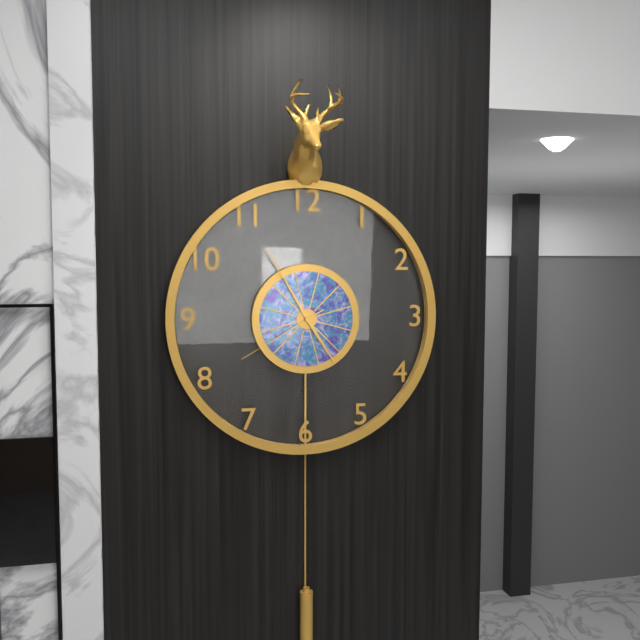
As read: {"hour": 4, "minute": 55, "second": 40}
